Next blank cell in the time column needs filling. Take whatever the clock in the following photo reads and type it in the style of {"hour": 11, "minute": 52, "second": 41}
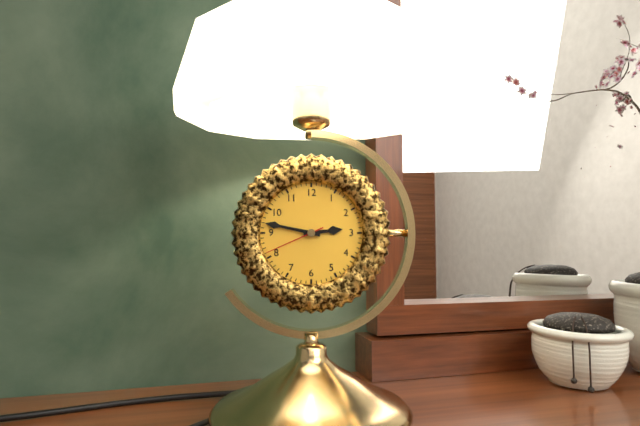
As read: {"hour": 2, "minute": 47, "second": 41}
